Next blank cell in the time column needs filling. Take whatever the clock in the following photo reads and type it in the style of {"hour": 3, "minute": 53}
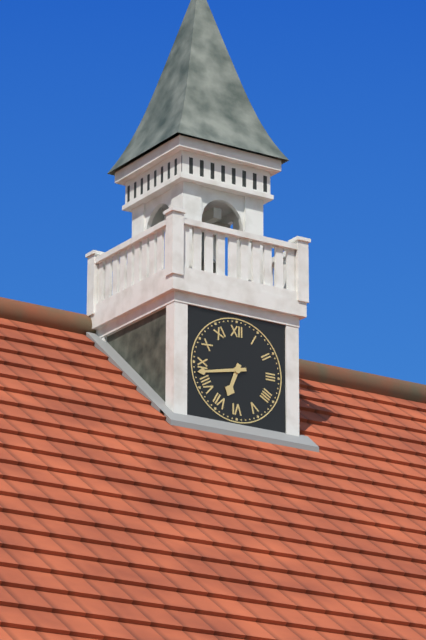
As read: {"hour": 6, "minute": 43}
